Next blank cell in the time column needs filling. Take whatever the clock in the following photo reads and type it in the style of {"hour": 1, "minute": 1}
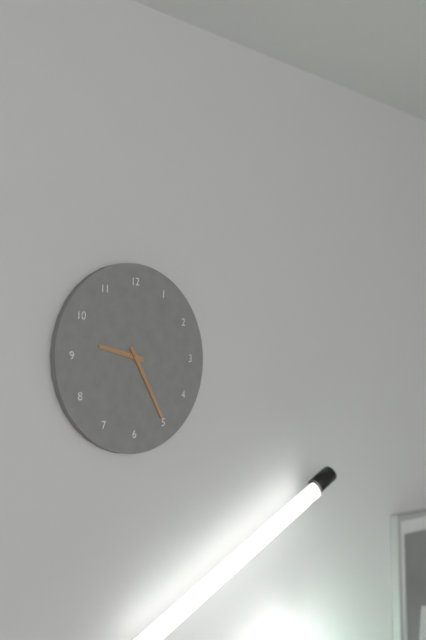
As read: {"hour": 9, "minute": 25}
